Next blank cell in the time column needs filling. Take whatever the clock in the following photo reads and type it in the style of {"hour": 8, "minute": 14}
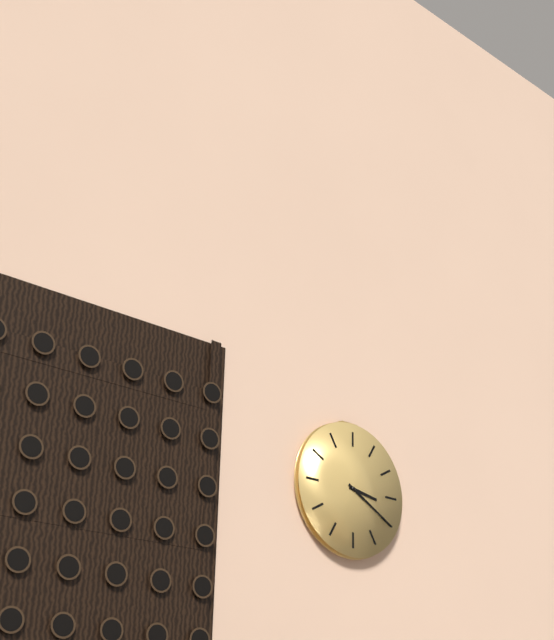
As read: {"hour": 3, "minute": 20}
